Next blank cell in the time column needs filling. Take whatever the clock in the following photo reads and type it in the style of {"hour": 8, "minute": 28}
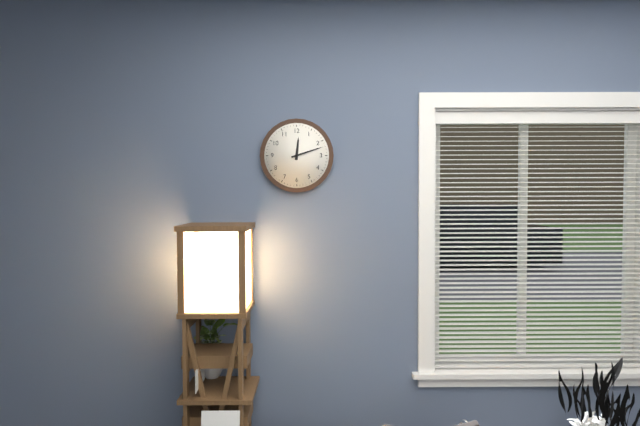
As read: {"hour": 12, "minute": 12}
